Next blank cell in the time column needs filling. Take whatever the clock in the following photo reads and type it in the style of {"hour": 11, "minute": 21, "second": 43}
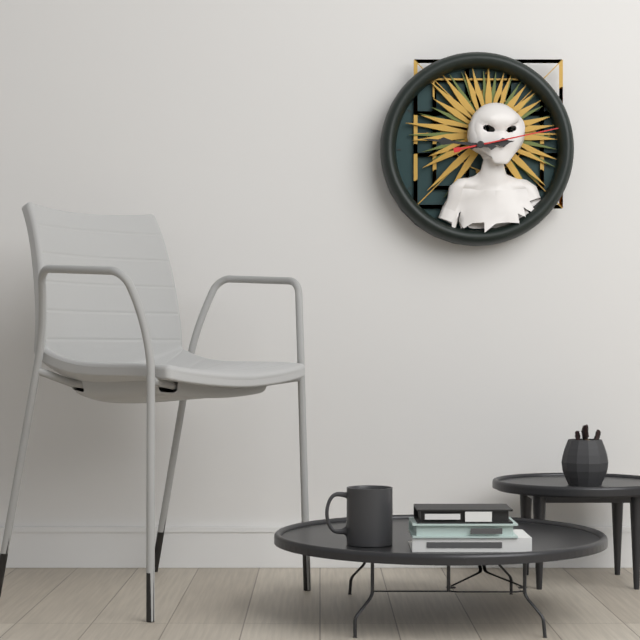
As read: {"hour": 2, "minute": 46, "second": 13}
